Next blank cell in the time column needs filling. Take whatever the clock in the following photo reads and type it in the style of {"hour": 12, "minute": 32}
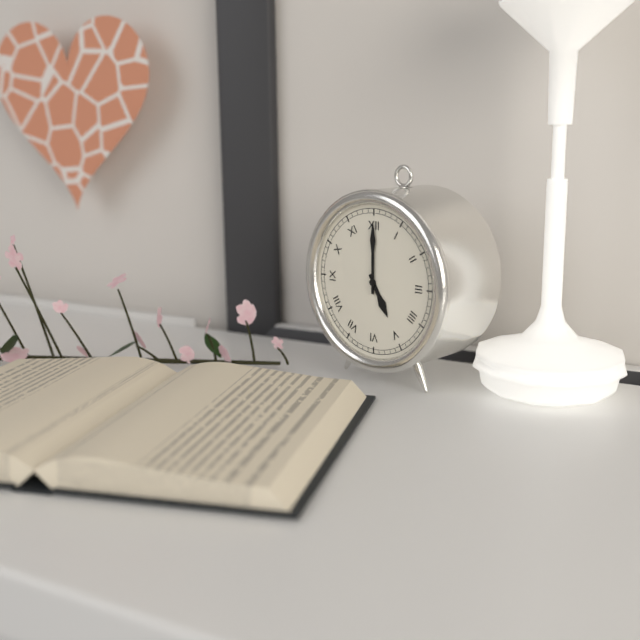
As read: {"hour": 5, "minute": 0}
